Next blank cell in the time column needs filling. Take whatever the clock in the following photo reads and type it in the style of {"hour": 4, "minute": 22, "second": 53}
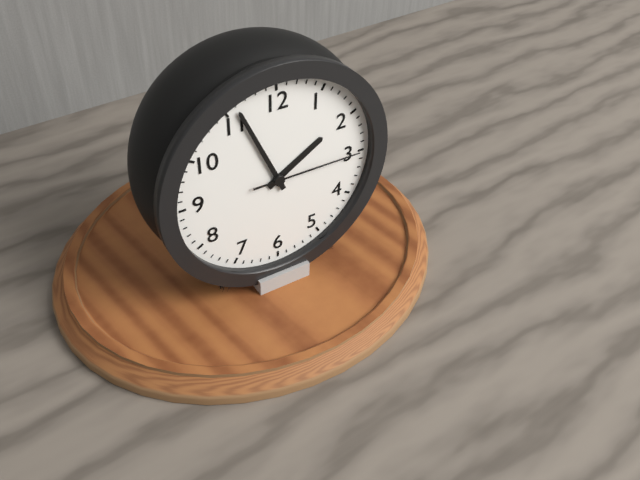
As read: {"hour": 1, "minute": 56, "second": 15}
